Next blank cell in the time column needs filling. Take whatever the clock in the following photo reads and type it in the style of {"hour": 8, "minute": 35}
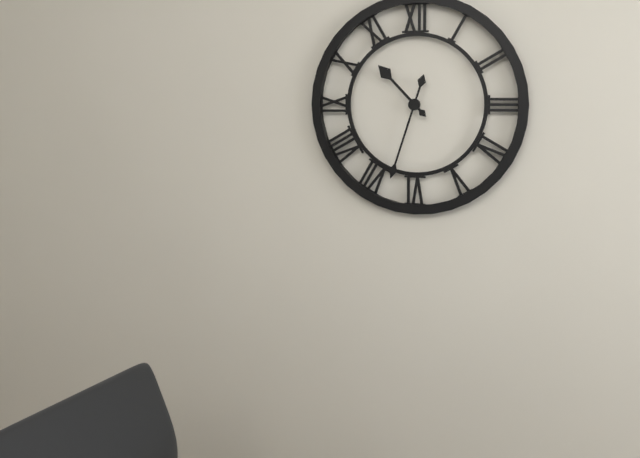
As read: {"hour": 10, "minute": 33}
